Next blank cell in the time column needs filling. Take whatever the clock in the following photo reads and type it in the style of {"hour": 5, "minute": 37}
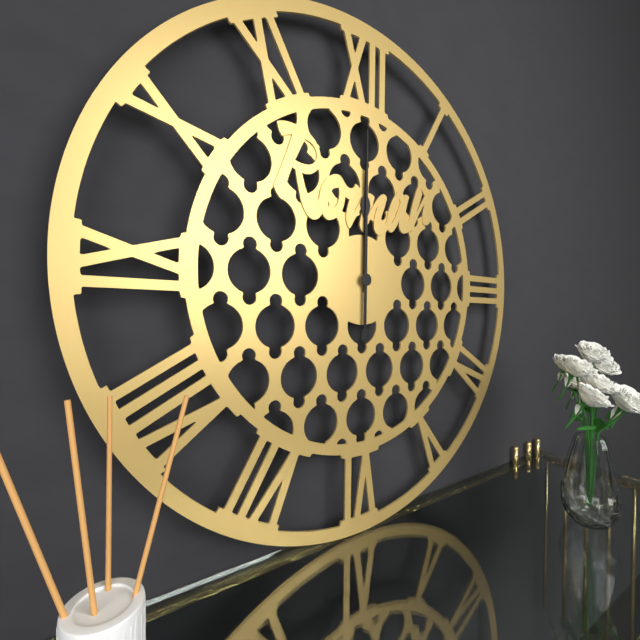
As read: {"hour": 12, "minute": 0}
